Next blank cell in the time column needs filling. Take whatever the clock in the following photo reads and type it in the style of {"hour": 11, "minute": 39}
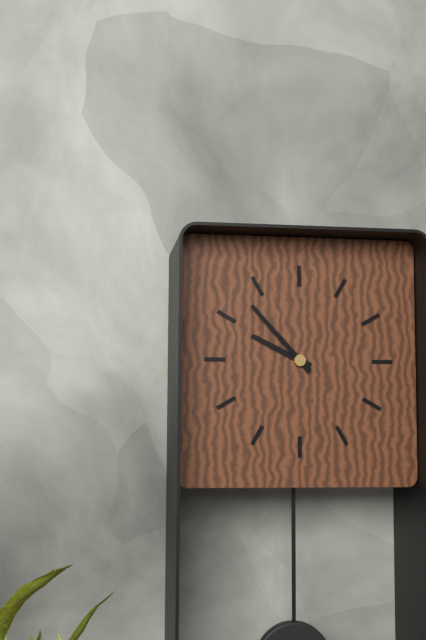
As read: {"hour": 9, "minute": 53}
